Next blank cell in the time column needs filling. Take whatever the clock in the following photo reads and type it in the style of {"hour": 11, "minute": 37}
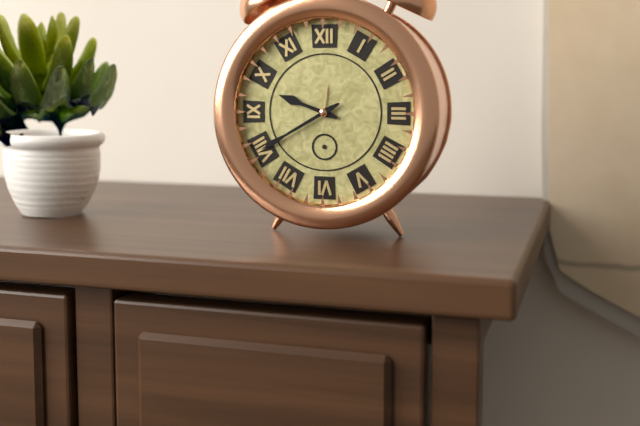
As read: {"hour": 9, "minute": 40}
